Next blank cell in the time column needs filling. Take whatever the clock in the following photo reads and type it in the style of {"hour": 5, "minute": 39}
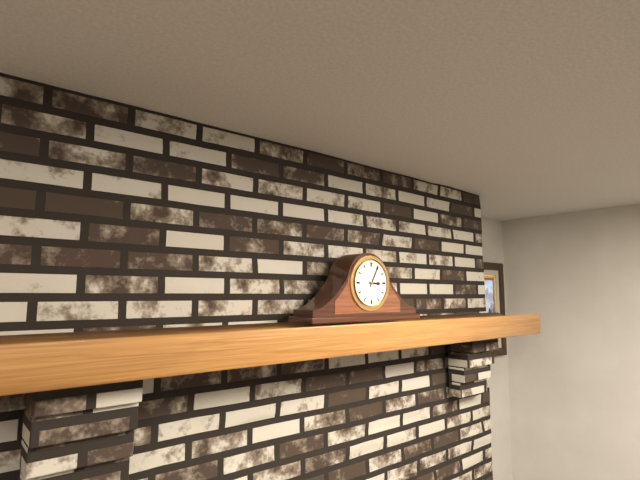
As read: {"hour": 3, "minute": 5}
